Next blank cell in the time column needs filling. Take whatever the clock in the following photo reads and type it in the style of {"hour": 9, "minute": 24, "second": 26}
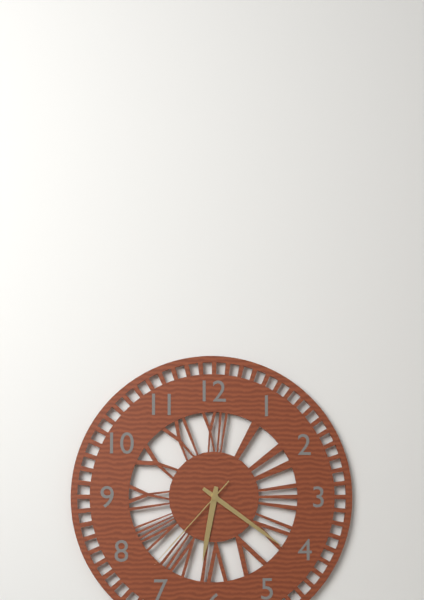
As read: {"hour": 6, "minute": 21, "second": 37}
